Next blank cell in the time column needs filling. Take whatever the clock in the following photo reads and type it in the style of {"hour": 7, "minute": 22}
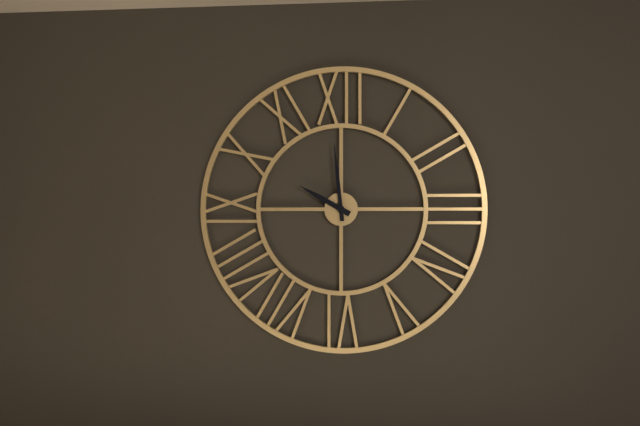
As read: {"hour": 9, "minute": 59}
